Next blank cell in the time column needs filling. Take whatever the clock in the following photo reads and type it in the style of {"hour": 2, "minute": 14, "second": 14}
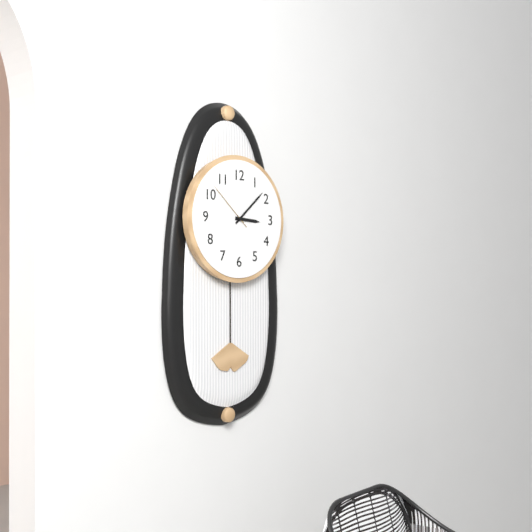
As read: {"hour": 3, "minute": 8, "second": 52}
